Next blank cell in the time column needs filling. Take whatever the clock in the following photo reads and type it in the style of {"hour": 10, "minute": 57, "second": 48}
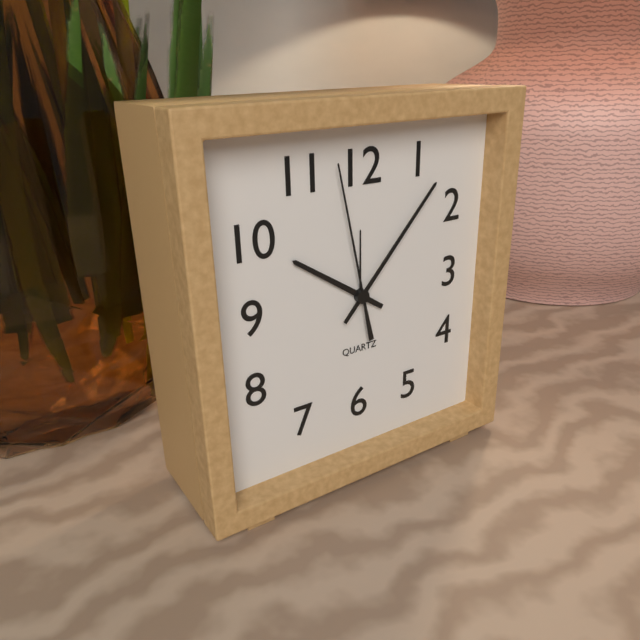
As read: {"hour": 10, "minute": 7, "second": 58}
